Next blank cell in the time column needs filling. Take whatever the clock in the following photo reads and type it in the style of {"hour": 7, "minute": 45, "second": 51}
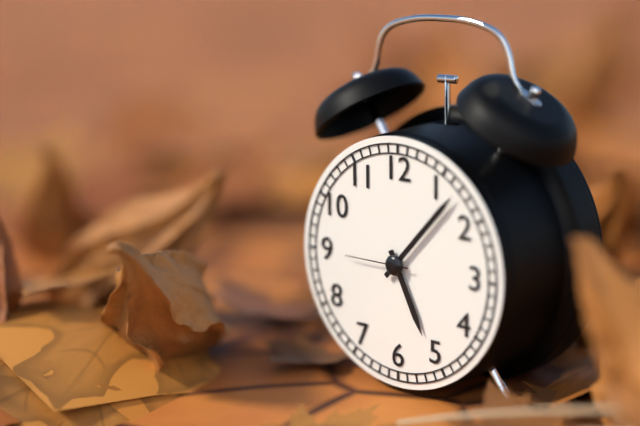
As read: {"hour": 5, "minute": 7, "second": 45}
